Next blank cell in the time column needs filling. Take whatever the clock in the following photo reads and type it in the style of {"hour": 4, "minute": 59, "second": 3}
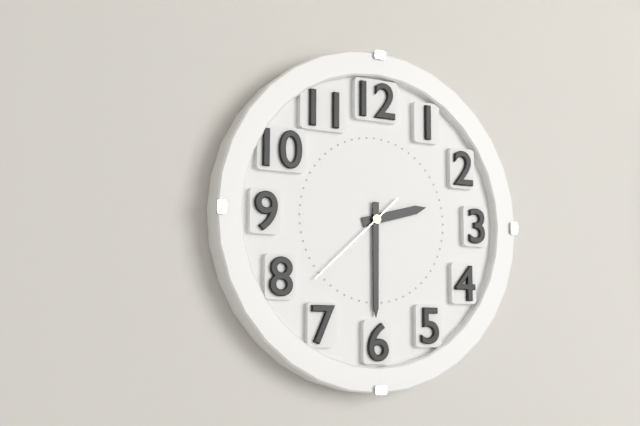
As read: {"hour": 2, "minute": 30, "second": 38}
